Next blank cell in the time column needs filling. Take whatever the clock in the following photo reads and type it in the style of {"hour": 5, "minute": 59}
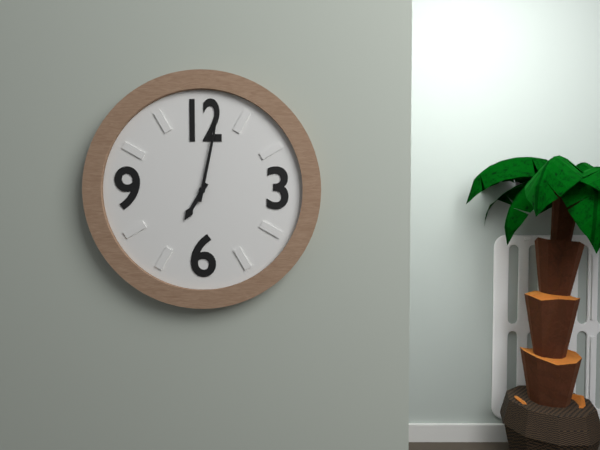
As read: {"hour": 7, "minute": 2}
